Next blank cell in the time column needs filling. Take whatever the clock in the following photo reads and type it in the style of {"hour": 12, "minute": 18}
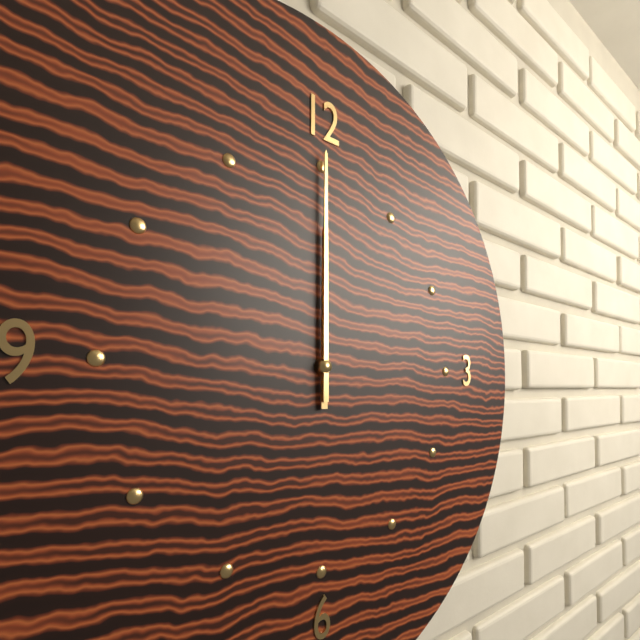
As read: {"hour": 12, "minute": 0}
